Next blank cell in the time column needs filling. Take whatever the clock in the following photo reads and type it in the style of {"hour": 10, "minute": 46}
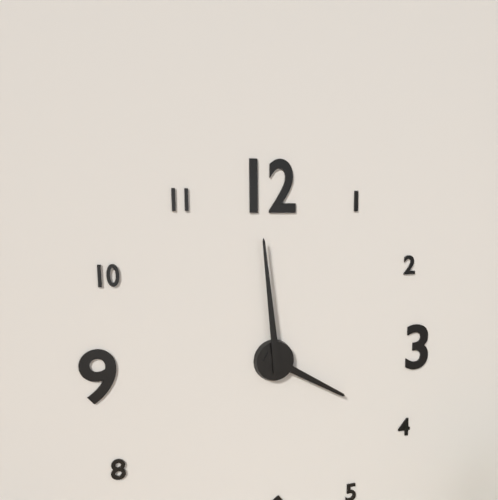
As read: {"hour": 3, "minute": 59}
